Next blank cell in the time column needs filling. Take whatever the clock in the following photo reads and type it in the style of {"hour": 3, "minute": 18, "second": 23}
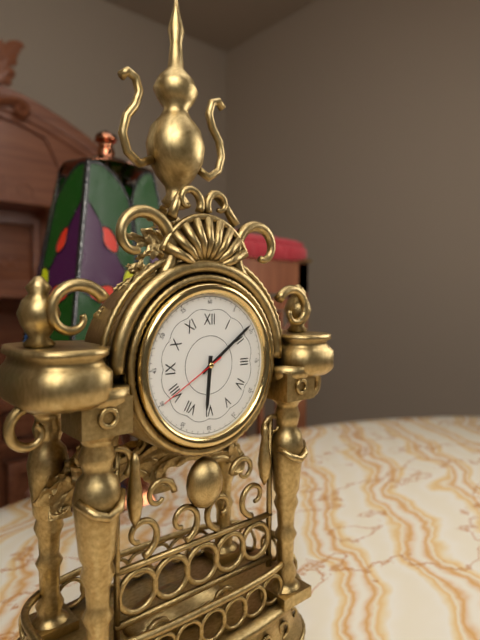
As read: {"hour": 6, "minute": 9, "second": 40}
